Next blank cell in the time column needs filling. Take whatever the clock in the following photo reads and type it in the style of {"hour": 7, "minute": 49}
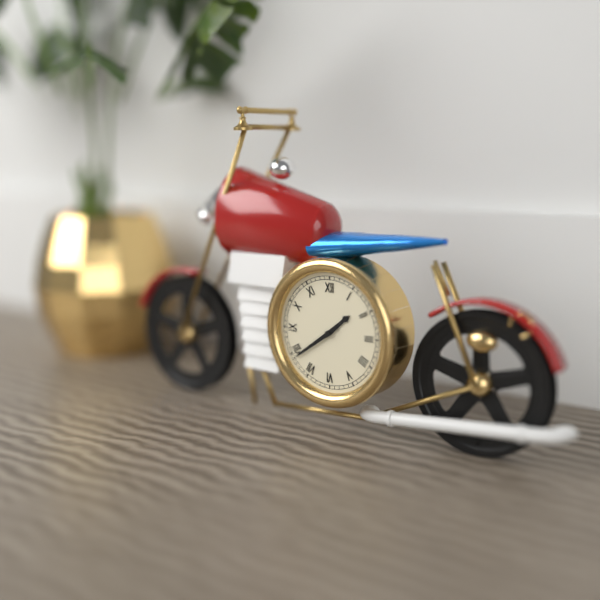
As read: {"hour": 1, "minute": 39}
